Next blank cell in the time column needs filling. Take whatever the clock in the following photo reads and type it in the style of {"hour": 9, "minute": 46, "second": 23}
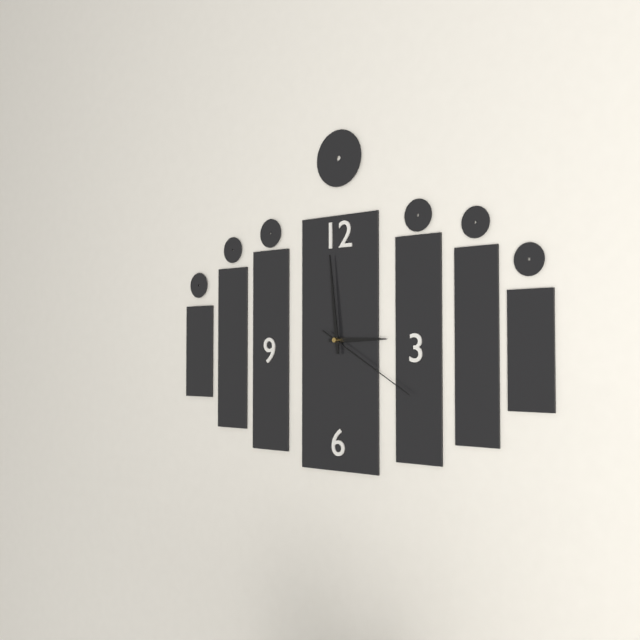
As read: {"hour": 2, "minute": 59, "second": 20}
